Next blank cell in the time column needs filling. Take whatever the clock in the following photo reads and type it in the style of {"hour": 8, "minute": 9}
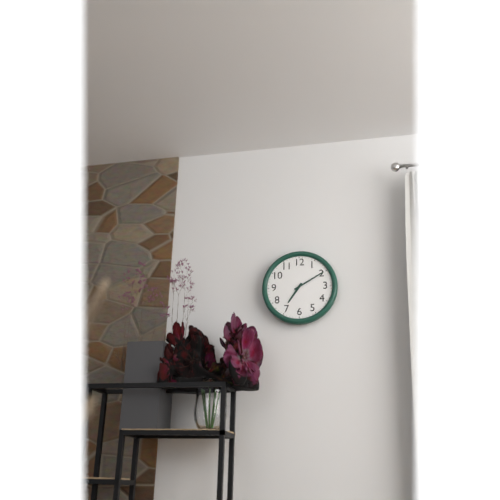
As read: {"hour": 7, "minute": 10}
